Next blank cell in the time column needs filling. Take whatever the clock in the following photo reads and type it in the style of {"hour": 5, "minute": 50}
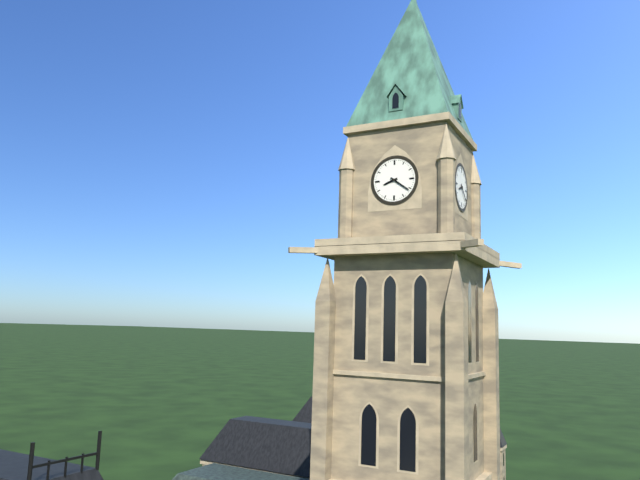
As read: {"hour": 8, "minute": 21}
